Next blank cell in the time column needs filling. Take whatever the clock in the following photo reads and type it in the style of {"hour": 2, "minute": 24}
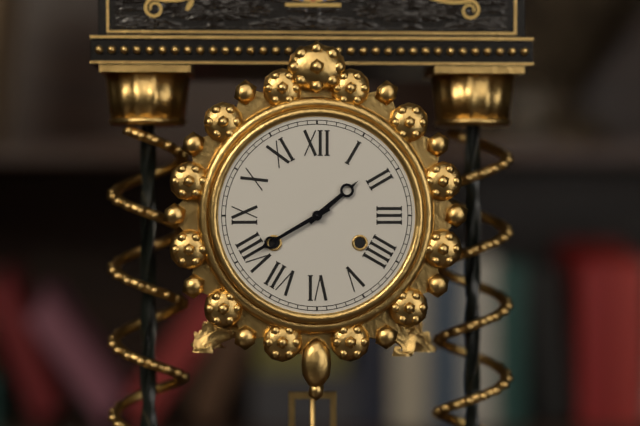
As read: {"hour": 1, "minute": 40}
